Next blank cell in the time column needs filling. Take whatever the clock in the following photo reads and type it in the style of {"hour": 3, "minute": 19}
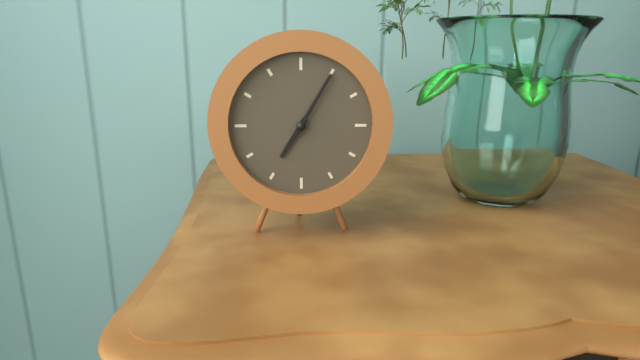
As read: {"hour": 7, "minute": 5}
